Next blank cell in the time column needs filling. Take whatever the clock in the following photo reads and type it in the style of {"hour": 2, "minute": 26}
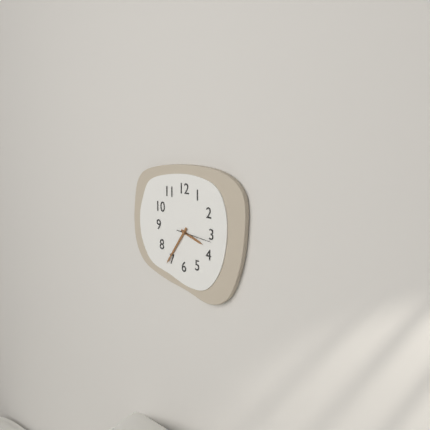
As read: {"hour": 3, "minute": 36}
